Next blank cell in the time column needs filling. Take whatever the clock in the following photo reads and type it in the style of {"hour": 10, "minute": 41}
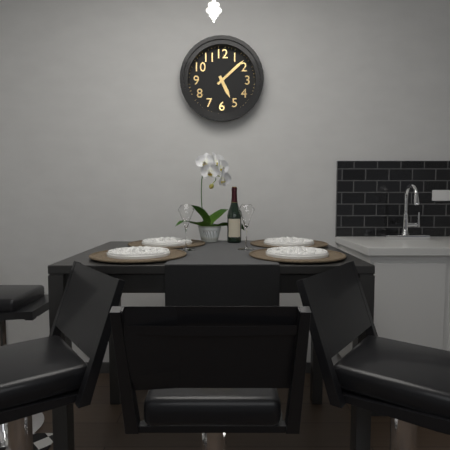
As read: {"hour": 5, "minute": 8}
